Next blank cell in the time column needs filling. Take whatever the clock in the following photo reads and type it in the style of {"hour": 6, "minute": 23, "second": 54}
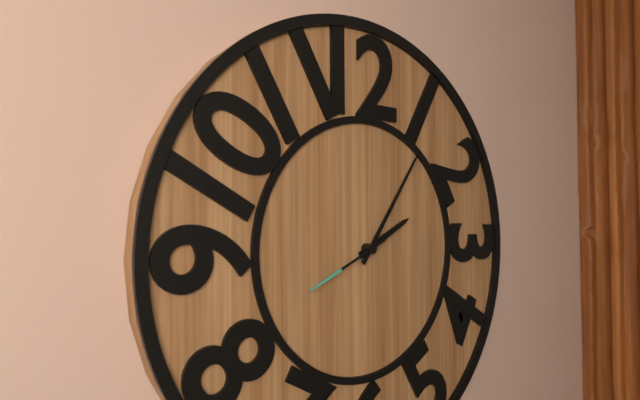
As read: {"hour": 2, "minute": 6, "second": 41}
